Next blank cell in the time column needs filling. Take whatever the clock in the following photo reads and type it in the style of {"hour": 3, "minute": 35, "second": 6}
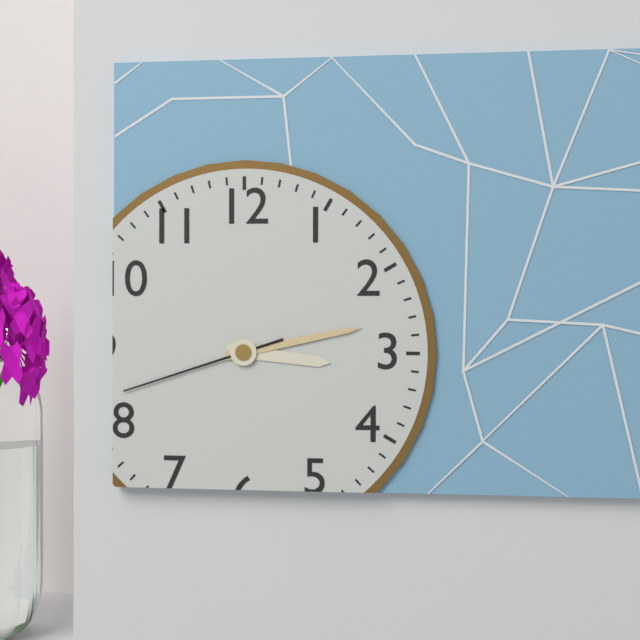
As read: {"hour": 3, "minute": 13, "second": 42}
